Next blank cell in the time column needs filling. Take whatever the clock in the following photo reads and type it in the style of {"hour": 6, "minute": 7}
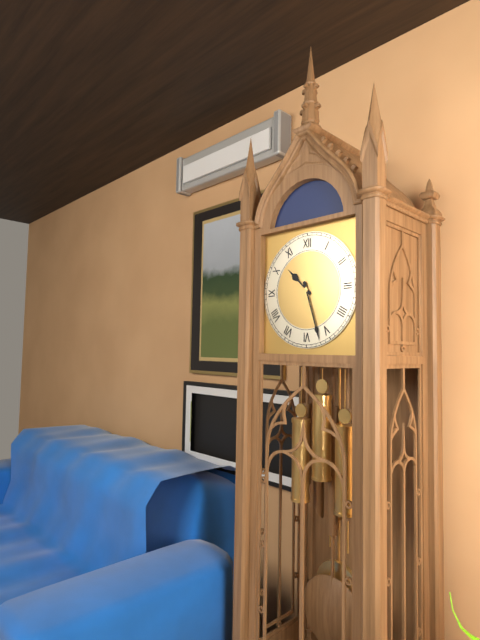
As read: {"hour": 10, "minute": 27}
